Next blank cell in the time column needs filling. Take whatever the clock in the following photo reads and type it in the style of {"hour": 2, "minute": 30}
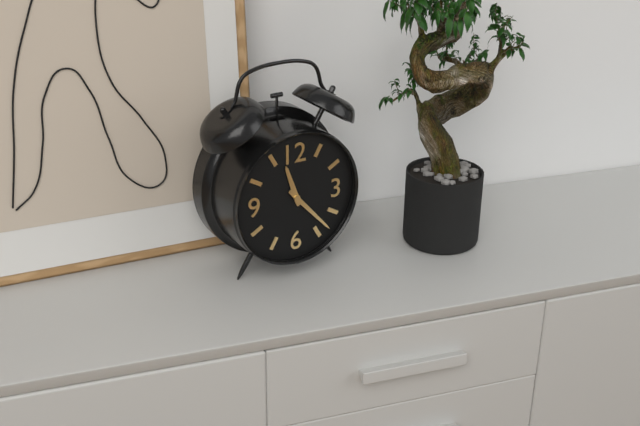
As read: {"hour": 11, "minute": 23}
